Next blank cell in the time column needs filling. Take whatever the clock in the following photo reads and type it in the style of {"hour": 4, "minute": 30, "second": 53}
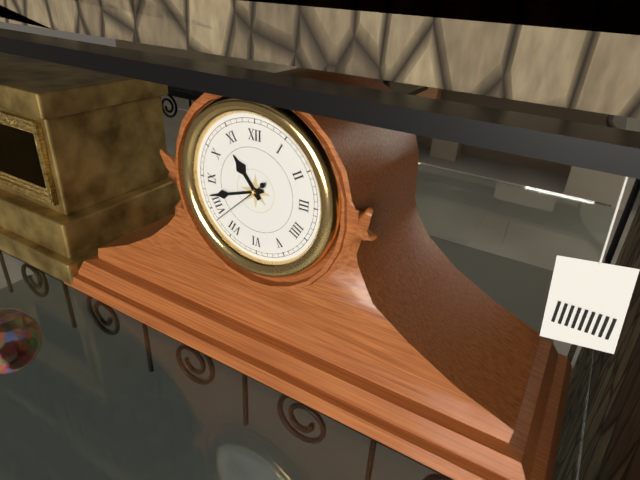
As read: {"hour": 10, "minute": 42, "second": 38}
